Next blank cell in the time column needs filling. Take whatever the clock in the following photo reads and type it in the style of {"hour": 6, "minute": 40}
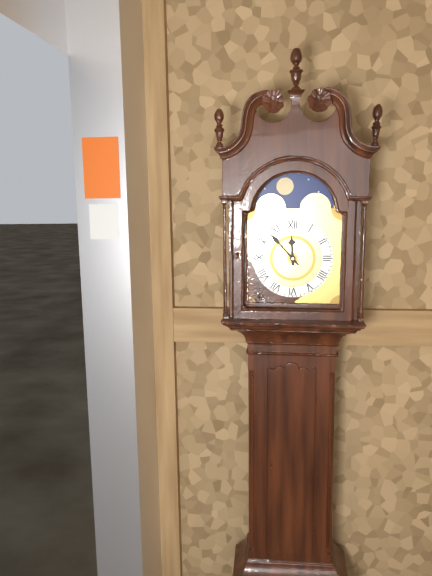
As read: {"hour": 11, "minute": 53}
